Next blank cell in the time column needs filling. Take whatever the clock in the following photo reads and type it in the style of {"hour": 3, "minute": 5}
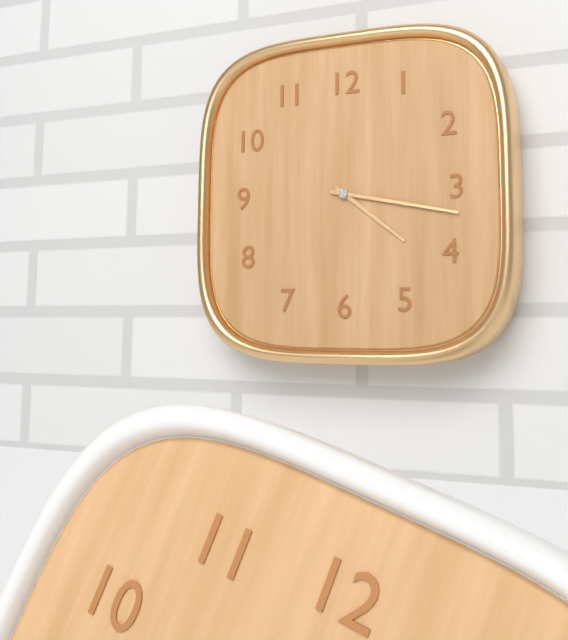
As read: {"hour": 4, "minute": 17}
